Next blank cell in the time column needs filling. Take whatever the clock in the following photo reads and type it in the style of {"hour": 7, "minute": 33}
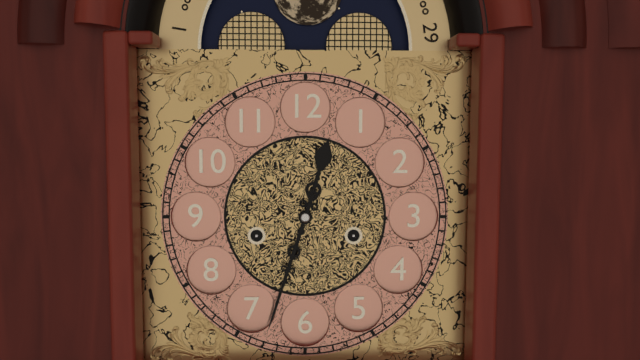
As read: {"hour": 12, "minute": 33}
